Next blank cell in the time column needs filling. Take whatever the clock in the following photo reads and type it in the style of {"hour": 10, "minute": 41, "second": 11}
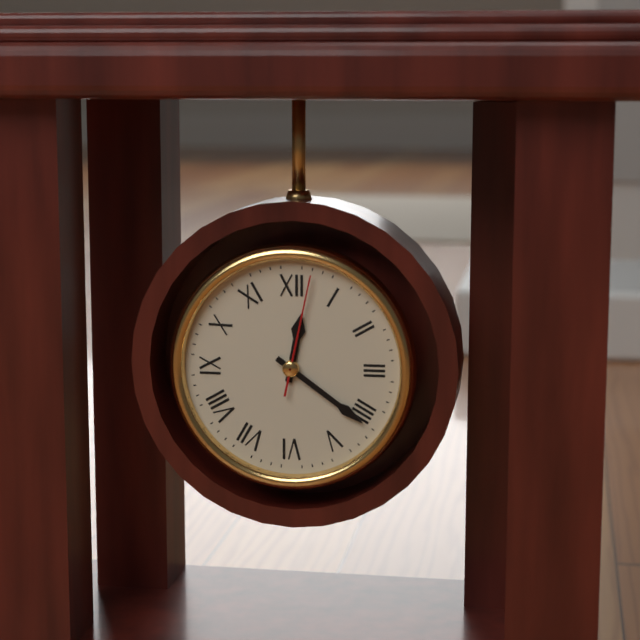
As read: {"hour": 12, "minute": 21, "second": 2}
